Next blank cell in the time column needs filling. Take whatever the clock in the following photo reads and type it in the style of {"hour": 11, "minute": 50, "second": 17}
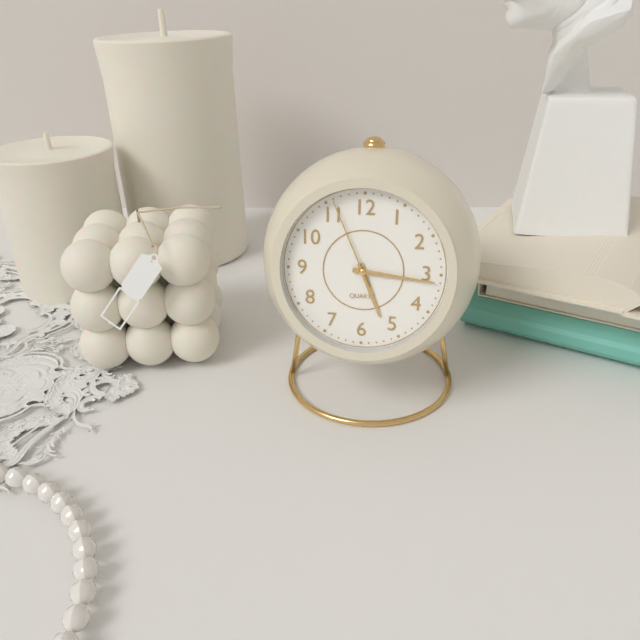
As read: {"hour": 5, "minute": 16, "second": 56}
